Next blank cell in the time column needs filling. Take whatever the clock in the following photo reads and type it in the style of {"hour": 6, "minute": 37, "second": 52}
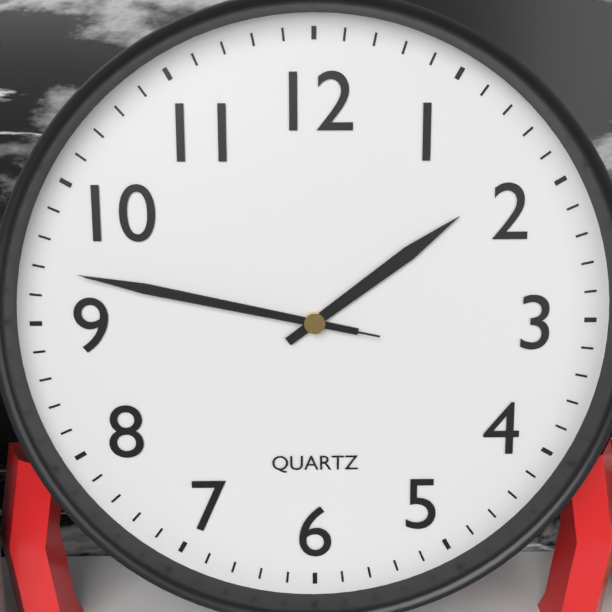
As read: {"hour": 1, "minute": 47, "second": 47}
